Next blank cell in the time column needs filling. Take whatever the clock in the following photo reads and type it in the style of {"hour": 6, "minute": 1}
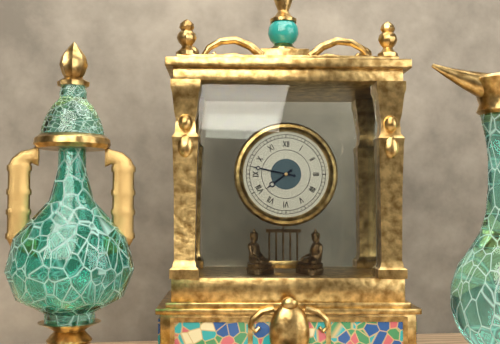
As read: {"hour": 7, "minute": 47}
